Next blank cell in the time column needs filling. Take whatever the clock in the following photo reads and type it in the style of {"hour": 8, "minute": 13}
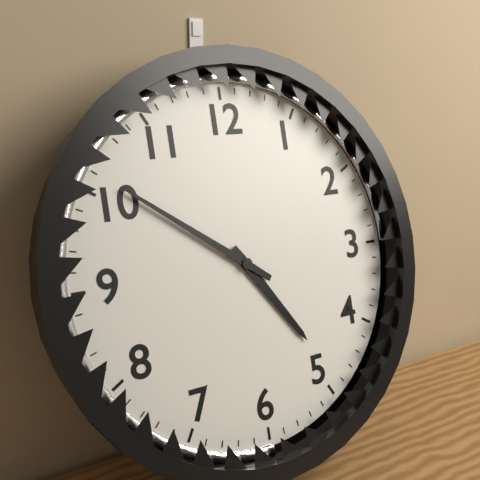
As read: {"hour": 4, "minute": 51}
